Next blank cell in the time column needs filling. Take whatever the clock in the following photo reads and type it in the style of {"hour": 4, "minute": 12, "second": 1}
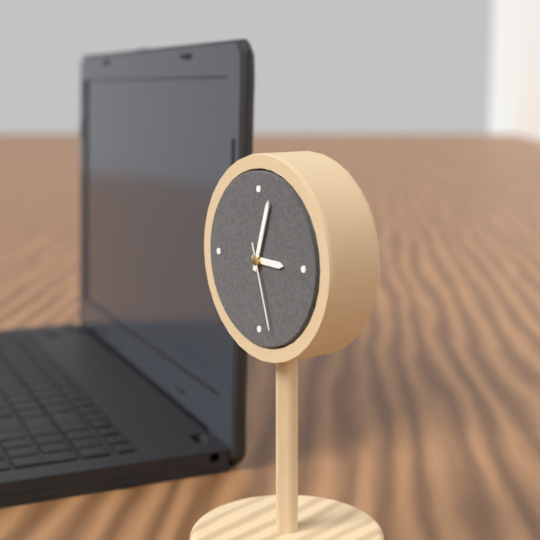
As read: {"hour": 3, "minute": 3, "second": 27}
